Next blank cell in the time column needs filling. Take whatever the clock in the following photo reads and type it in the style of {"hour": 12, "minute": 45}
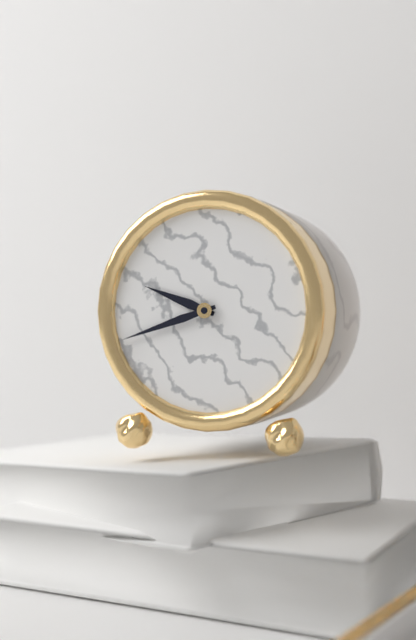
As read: {"hour": 9, "minute": 42}
